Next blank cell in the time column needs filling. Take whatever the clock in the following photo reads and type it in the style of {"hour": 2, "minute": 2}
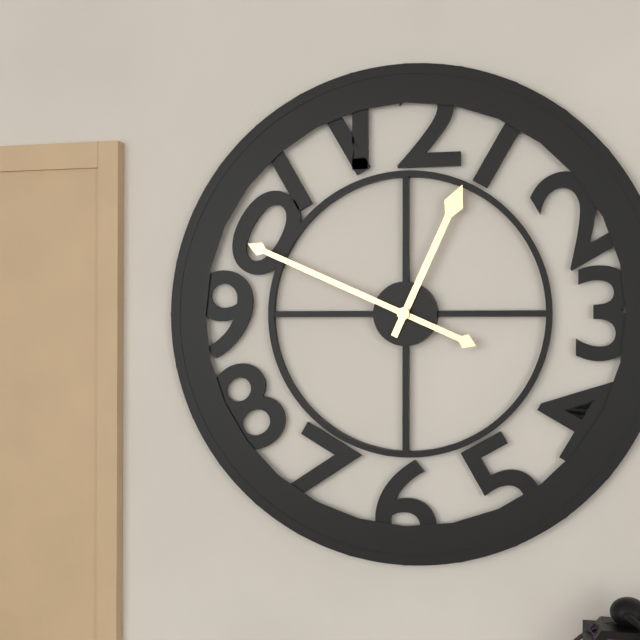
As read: {"hour": 12, "minute": 49}
